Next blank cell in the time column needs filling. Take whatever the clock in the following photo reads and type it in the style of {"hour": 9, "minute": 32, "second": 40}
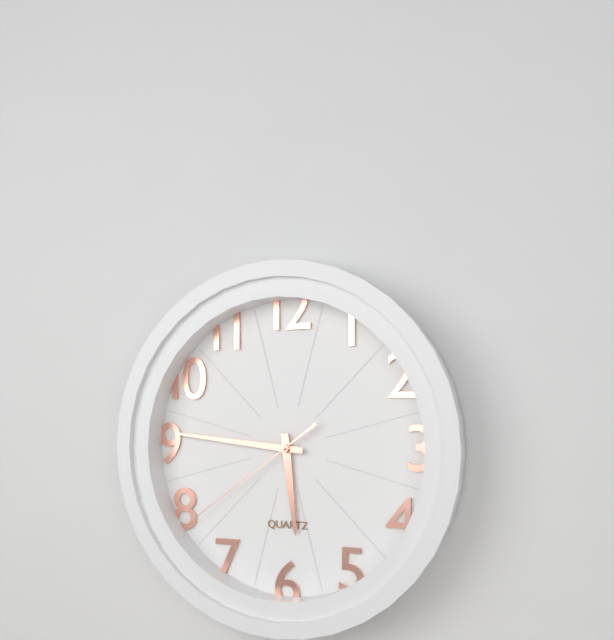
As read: {"hour": 5, "minute": 46, "second": 39}
